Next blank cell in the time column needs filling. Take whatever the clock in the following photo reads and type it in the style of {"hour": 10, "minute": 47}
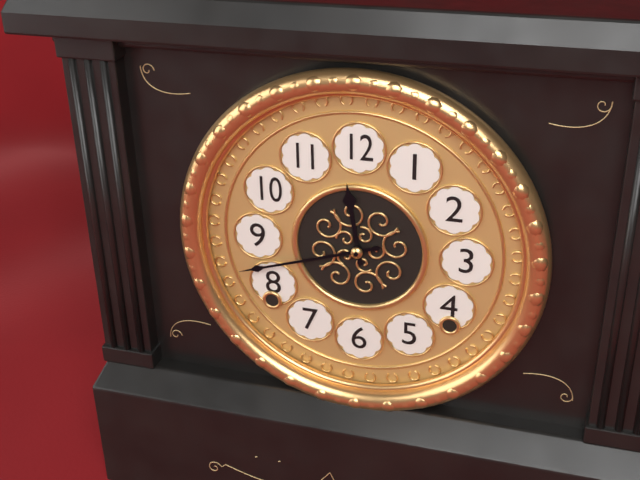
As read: {"hour": 11, "minute": 42}
